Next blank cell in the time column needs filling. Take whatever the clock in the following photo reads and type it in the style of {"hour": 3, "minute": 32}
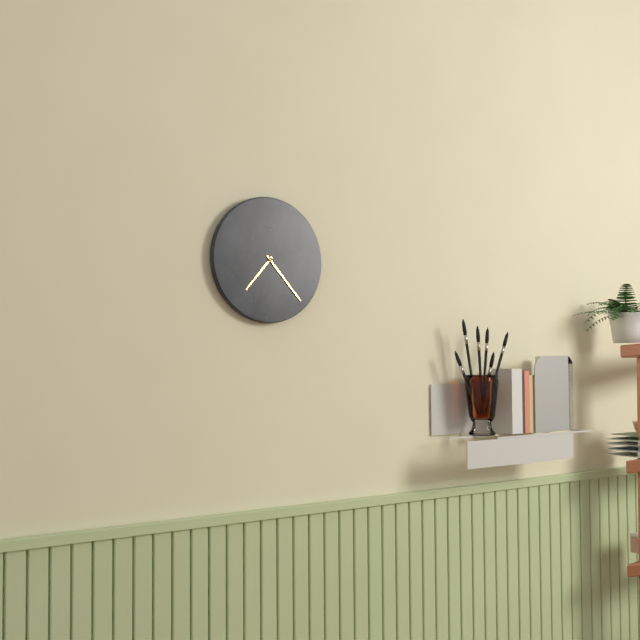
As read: {"hour": 7, "minute": 23}
